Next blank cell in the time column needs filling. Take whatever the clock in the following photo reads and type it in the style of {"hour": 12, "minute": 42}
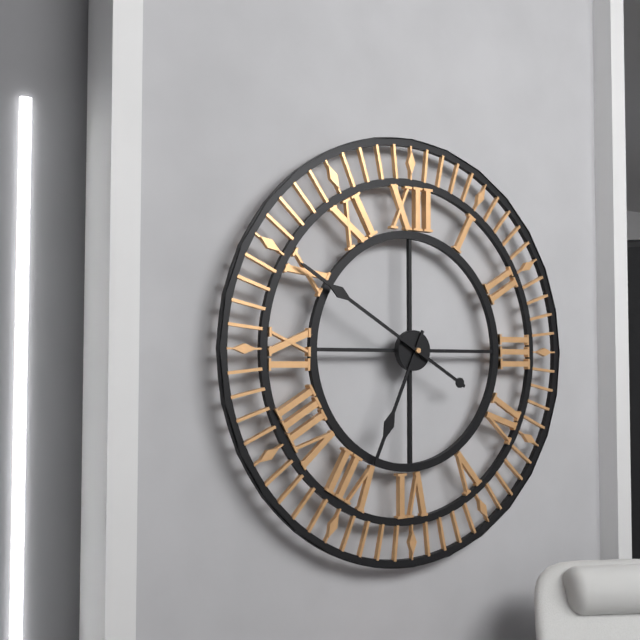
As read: {"hour": 6, "minute": 50}
